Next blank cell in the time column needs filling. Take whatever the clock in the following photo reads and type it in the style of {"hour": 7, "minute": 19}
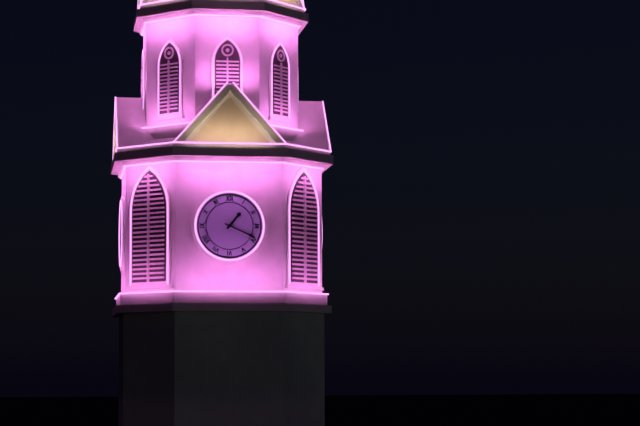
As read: {"hour": 1, "minute": 19}
